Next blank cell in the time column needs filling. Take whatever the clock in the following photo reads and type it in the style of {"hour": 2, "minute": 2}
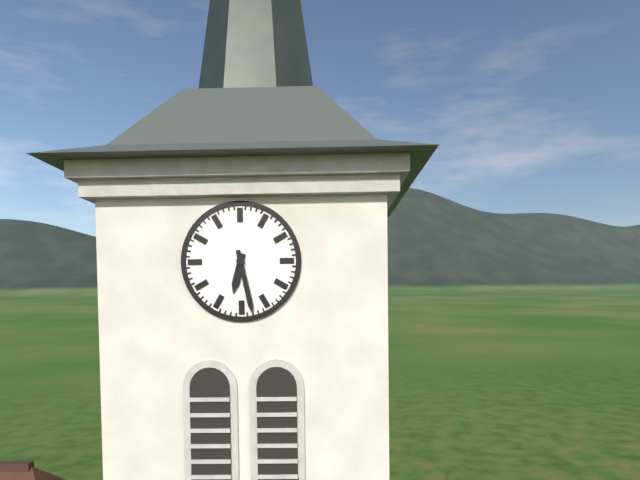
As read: {"hour": 6, "minute": 28}
